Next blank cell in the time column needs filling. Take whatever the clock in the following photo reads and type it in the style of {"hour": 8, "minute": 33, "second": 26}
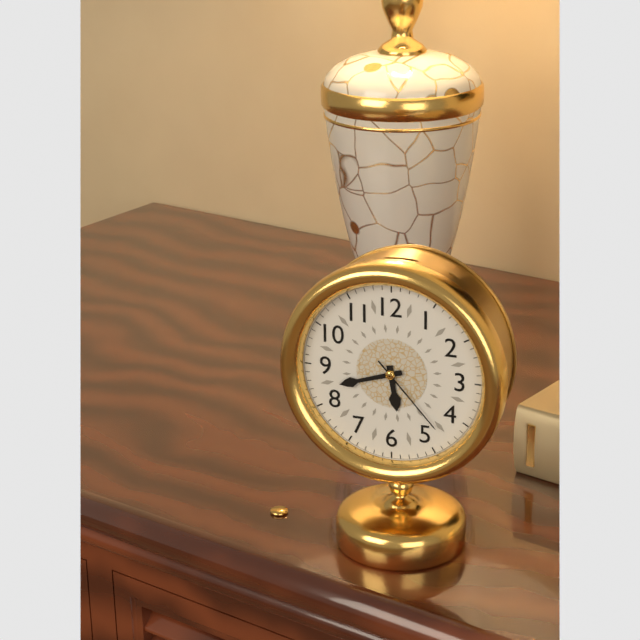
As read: {"hour": 5, "minute": 42, "second": 23}
